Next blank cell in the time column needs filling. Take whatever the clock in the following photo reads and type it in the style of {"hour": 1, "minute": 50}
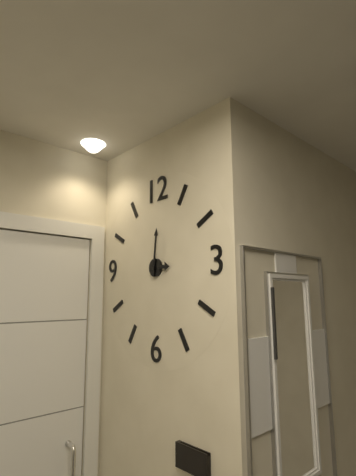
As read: {"hour": 3, "minute": 1}
